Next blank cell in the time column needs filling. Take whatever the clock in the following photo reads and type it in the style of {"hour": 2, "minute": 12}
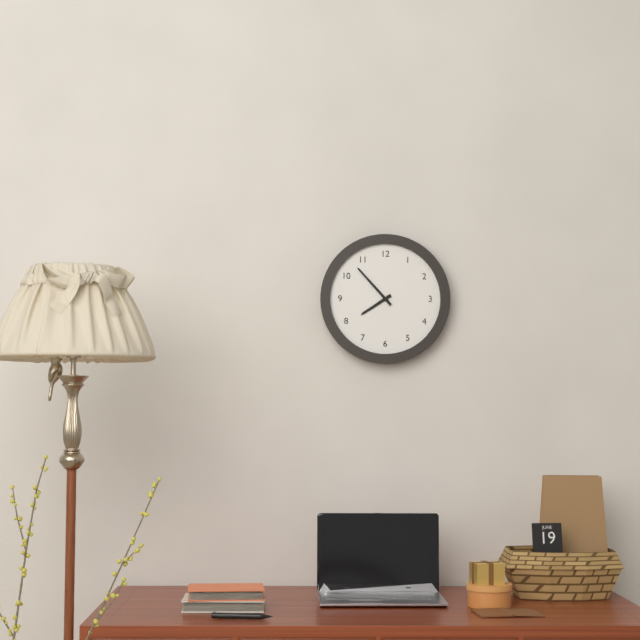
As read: {"hour": 7, "minute": 53}
